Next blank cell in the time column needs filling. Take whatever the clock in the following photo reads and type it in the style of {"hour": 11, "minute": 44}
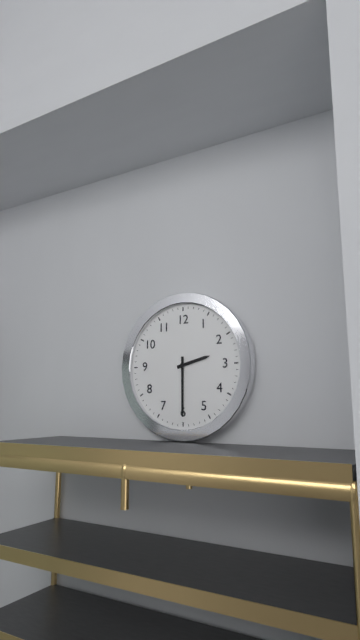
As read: {"hour": 2, "minute": 30}
